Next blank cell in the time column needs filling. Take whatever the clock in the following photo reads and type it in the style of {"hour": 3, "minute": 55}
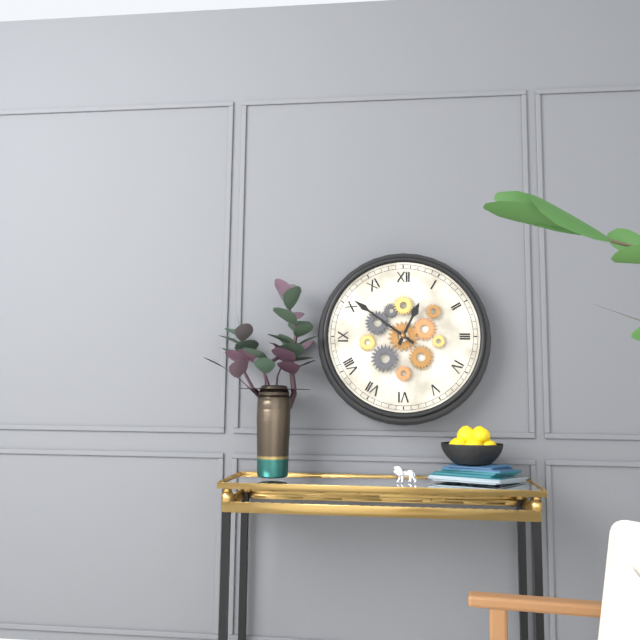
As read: {"hour": 12, "minute": 51}
